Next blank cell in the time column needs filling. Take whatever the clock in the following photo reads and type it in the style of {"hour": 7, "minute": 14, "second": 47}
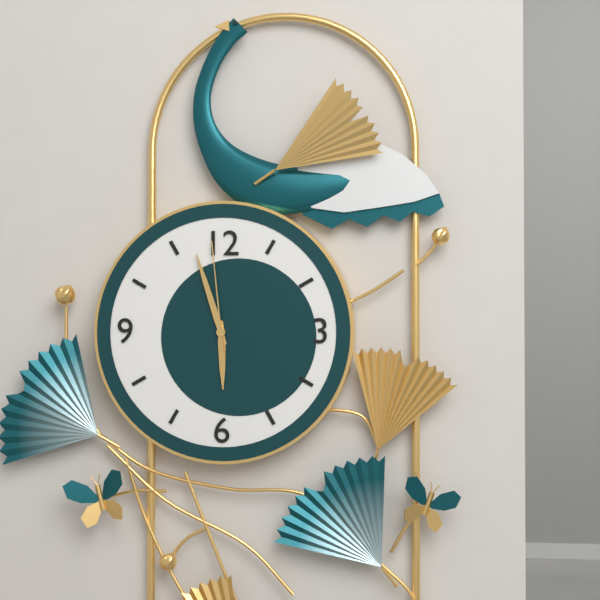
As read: {"hour": 5, "minute": 57, "second": 59}
